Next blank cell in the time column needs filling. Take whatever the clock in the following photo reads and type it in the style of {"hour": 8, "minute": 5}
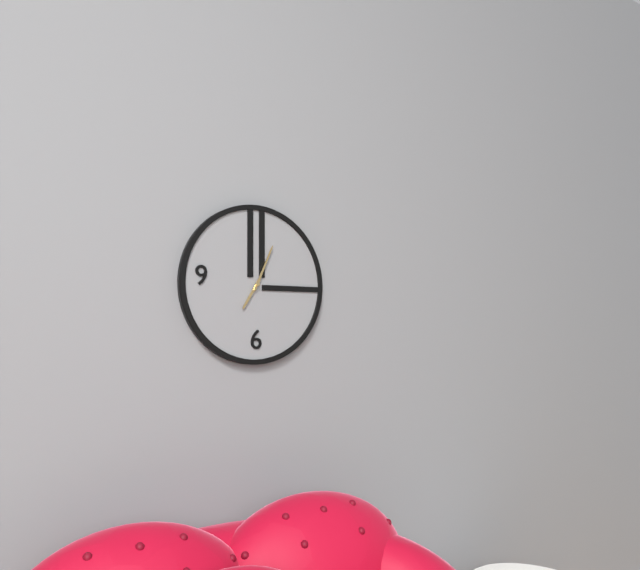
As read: {"hour": 7, "minute": 4}
